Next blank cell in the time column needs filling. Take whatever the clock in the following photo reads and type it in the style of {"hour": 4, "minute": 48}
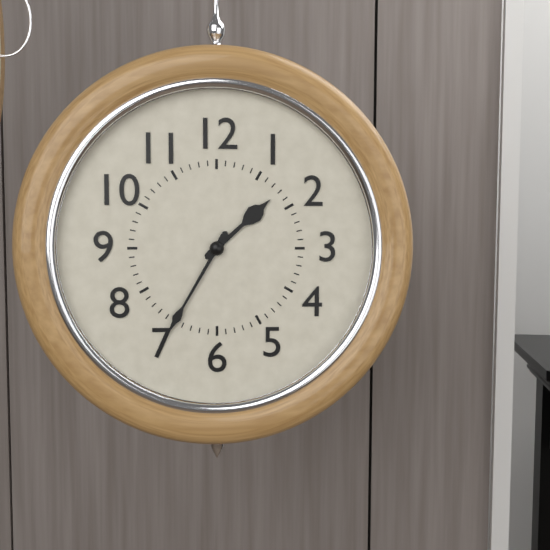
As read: {"hour": 1, "minute": 35}
